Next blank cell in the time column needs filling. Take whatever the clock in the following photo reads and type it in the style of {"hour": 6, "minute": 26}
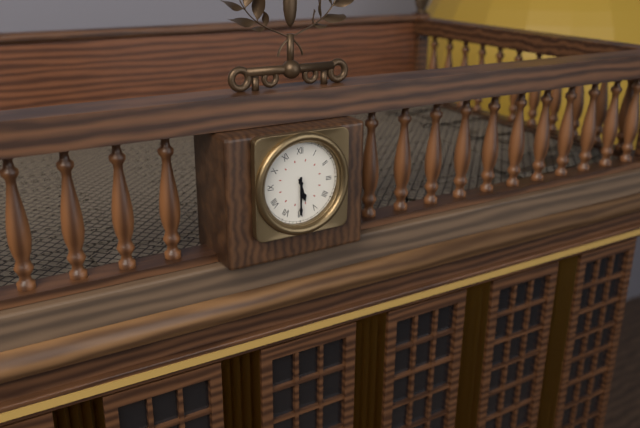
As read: {"hour": 5, "minute": 30}
